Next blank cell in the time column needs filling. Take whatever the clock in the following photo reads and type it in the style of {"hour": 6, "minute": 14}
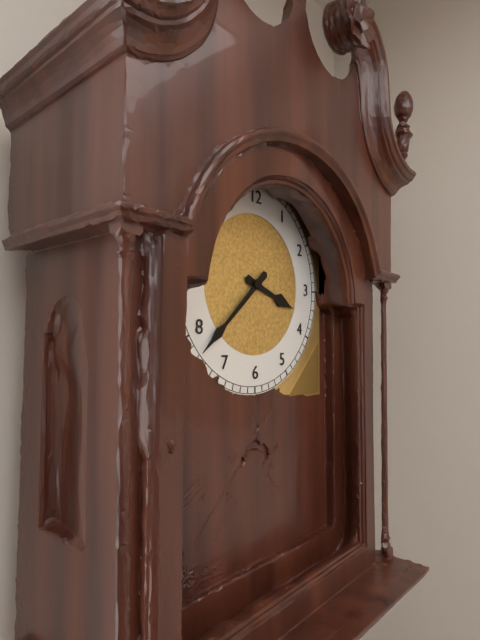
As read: {"hour": 3, "minute": 38}
